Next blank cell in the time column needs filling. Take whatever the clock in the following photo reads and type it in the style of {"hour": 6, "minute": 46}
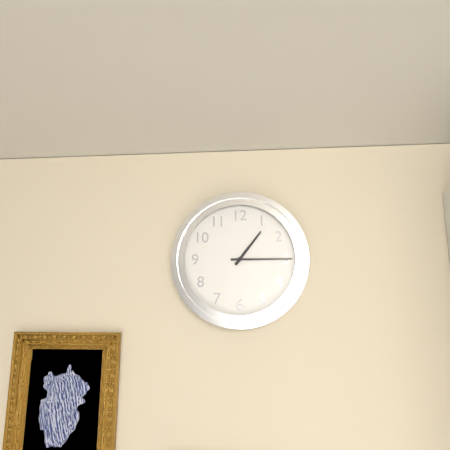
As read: {"hour": 1, "minute": 15}
